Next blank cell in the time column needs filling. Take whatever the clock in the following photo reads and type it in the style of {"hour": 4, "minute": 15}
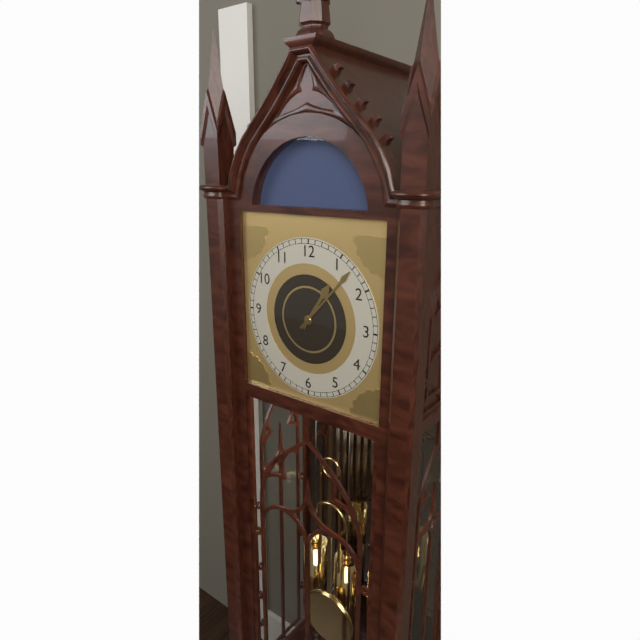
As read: {"hour": 1, "minute": 7}
